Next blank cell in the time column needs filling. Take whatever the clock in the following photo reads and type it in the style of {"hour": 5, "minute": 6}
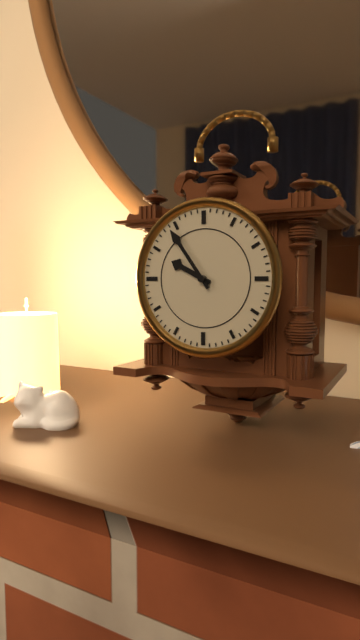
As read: {"hour": 9, "minute": 54}
